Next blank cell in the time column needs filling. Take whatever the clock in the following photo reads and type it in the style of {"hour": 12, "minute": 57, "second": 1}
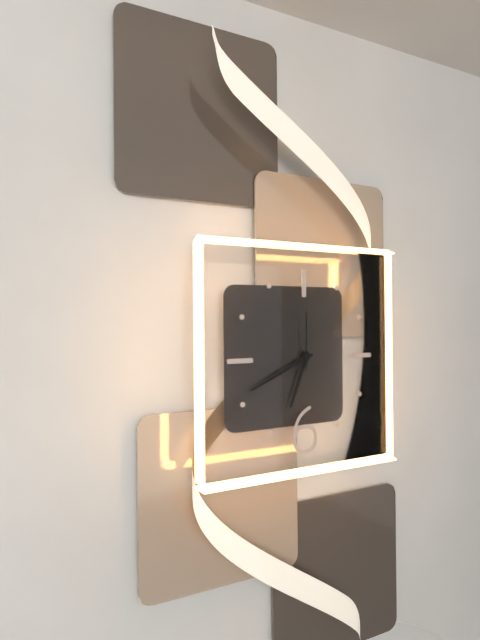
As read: {"hour": 6, "minute": 41, "second": 0}
